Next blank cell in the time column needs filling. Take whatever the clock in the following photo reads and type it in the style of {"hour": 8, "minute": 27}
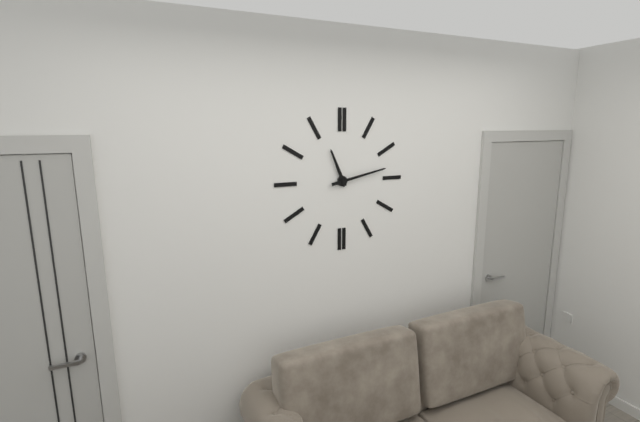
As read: {"hour": 11, "minute": 13}
